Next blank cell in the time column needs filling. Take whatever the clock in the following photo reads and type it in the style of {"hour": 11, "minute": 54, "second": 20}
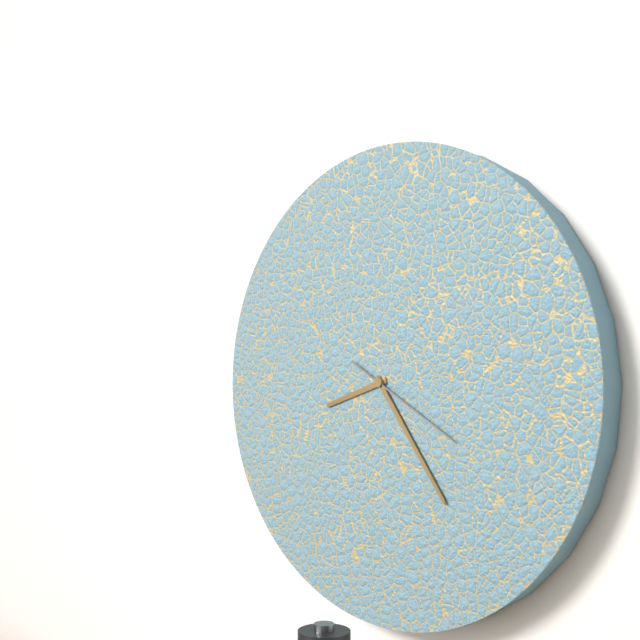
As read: {"hour": 8, "minute": 24, "second": 20}
